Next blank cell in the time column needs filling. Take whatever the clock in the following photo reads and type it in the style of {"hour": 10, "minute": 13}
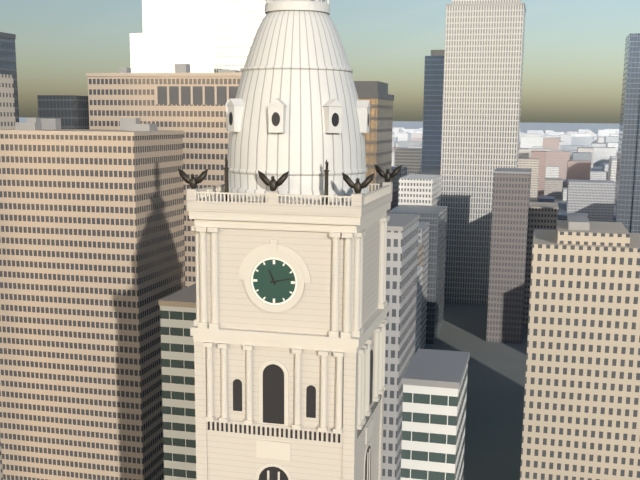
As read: {"hour": 11, "minute": 13}
